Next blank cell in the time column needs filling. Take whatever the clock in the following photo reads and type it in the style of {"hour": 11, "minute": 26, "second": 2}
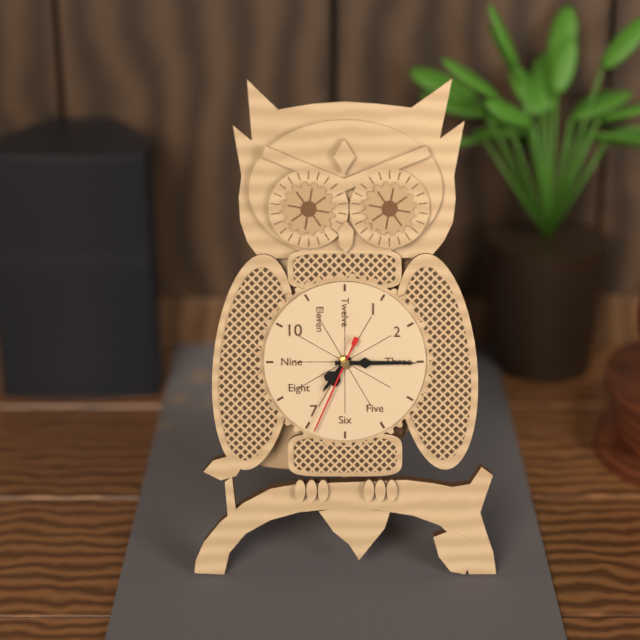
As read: {"hour": 7, "minute": 15, "second": 34}
